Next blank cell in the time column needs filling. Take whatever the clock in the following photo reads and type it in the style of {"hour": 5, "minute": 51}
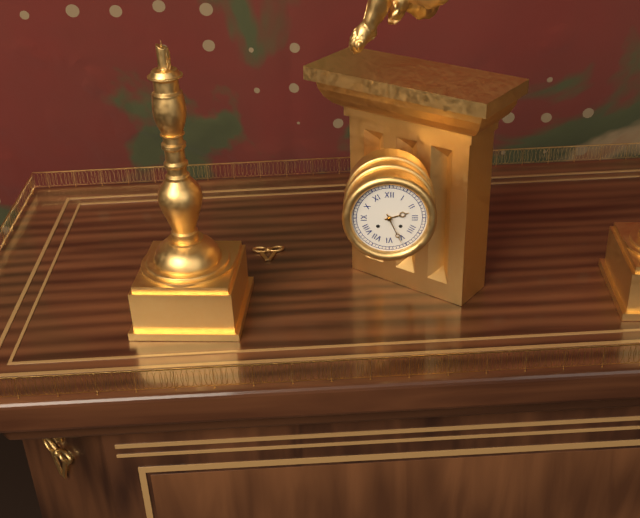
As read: {"hour": 2, "minute": 26}
